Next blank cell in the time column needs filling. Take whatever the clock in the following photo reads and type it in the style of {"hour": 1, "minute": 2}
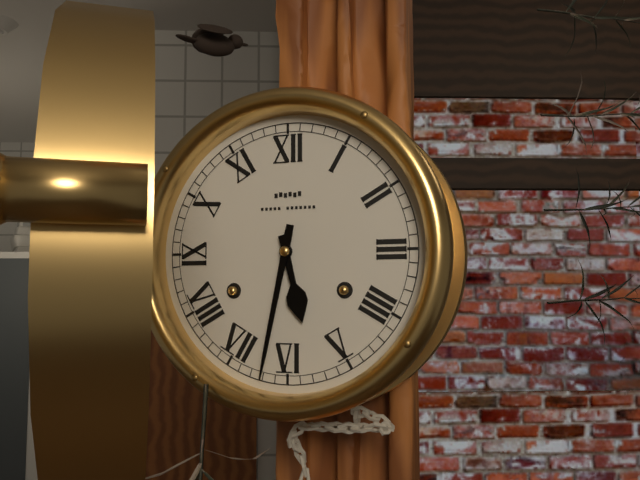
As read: {"hour": 5, "minute": 32}
